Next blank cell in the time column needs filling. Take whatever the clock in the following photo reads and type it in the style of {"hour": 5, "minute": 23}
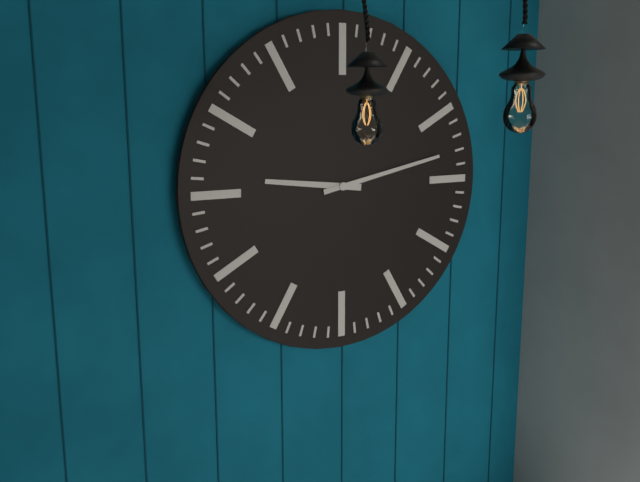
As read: {"hour": 9, "minute": 13}
